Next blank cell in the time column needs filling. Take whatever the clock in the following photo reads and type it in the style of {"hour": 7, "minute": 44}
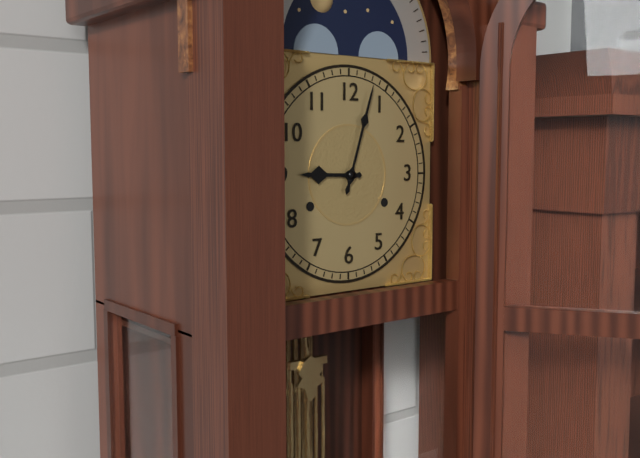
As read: {"hour": 9, "minute": 3}
